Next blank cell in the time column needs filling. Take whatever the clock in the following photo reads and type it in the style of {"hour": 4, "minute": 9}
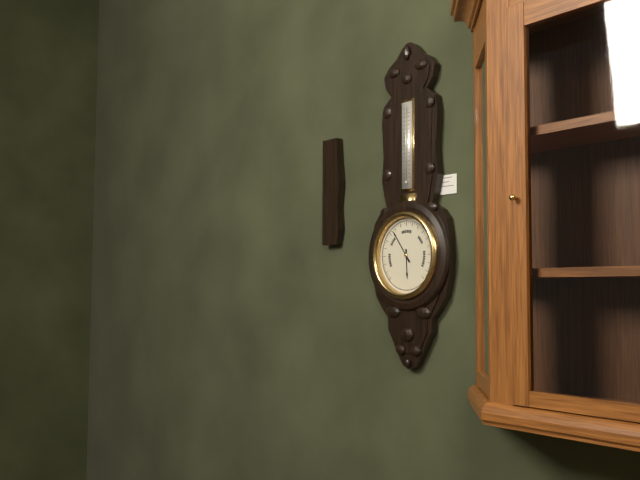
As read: {"hour": 5, "minute": 54}
